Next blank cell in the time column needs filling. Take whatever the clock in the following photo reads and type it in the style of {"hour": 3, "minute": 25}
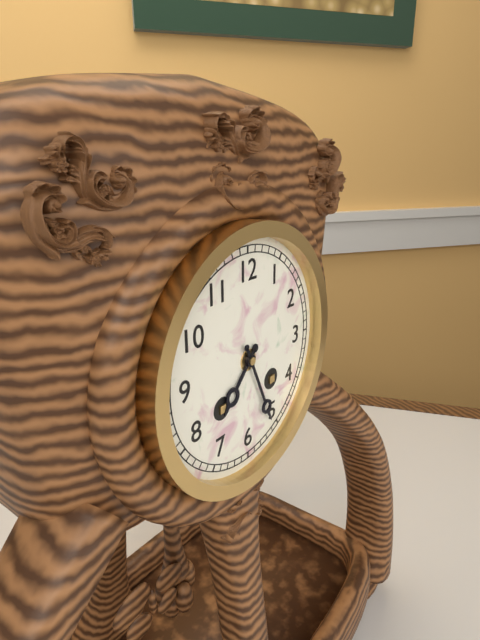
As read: {"hour": 7, "minute": 26}
